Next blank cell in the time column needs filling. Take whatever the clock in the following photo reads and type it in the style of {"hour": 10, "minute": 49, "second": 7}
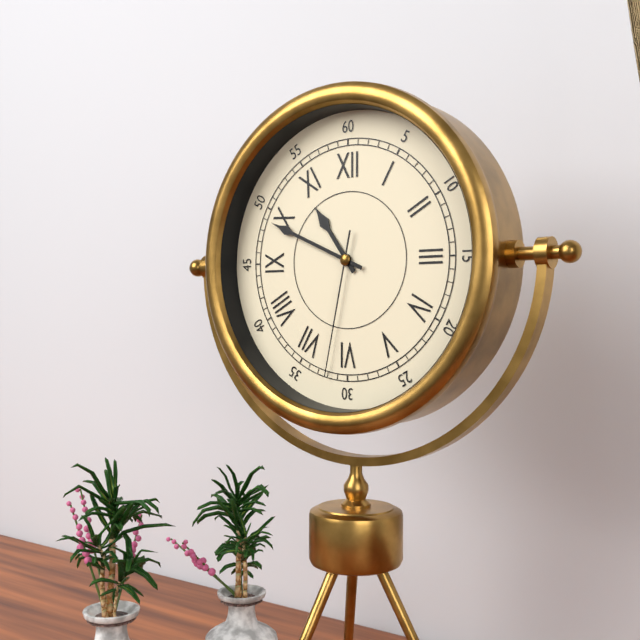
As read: {"hour": 10, "minute": 49, "second": 32}
